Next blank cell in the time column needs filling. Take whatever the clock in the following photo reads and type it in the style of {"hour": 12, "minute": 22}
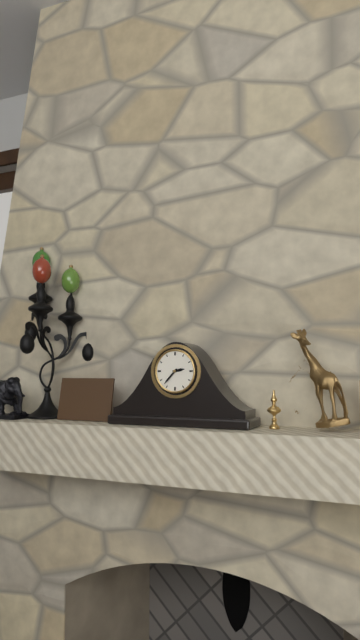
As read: {"hour": 2, "minute": 37}
